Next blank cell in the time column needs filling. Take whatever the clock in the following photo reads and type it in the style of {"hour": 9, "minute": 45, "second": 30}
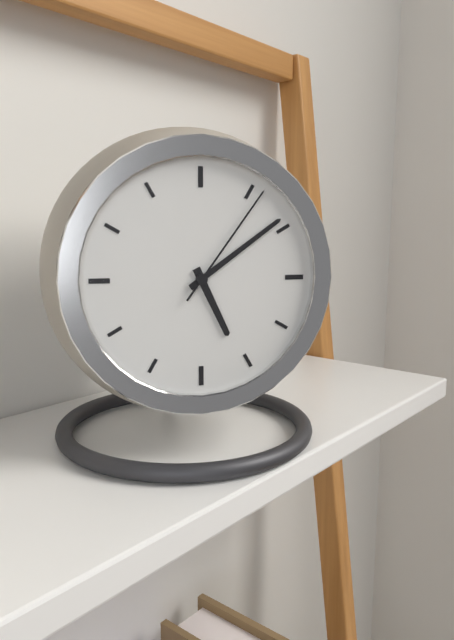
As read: {"hour": 5, "minute": 9, "second": 6}
